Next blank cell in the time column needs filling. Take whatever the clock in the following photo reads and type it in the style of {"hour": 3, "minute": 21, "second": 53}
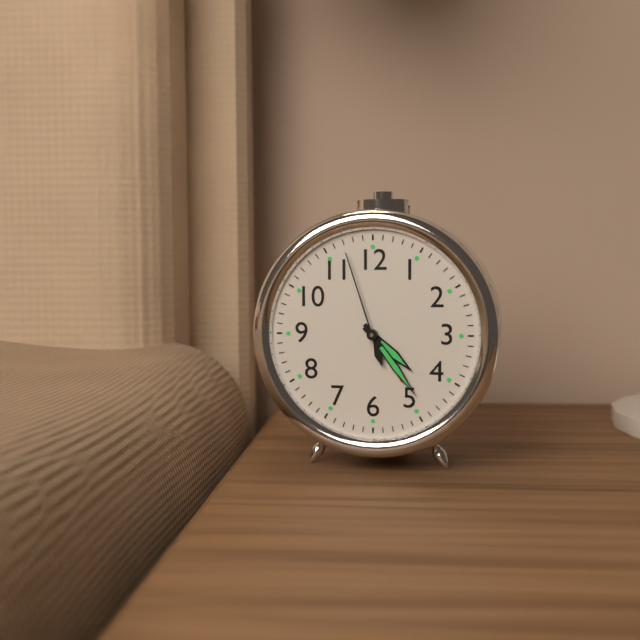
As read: {"hour": 4, "minute": 24, "second": 57}
